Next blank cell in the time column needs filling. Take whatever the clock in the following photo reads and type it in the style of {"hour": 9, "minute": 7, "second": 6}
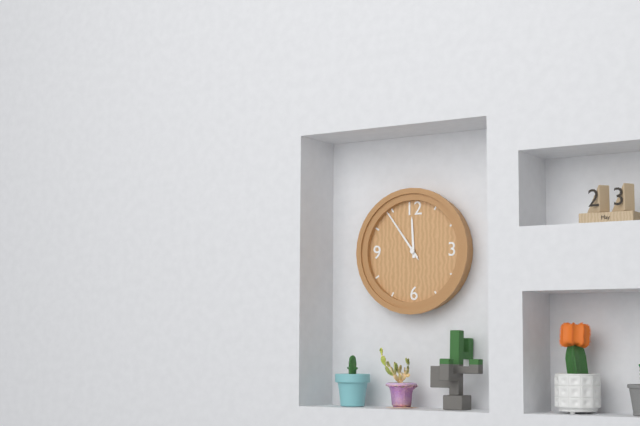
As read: {"hour": 11, "minute": 54, "second": 54}
